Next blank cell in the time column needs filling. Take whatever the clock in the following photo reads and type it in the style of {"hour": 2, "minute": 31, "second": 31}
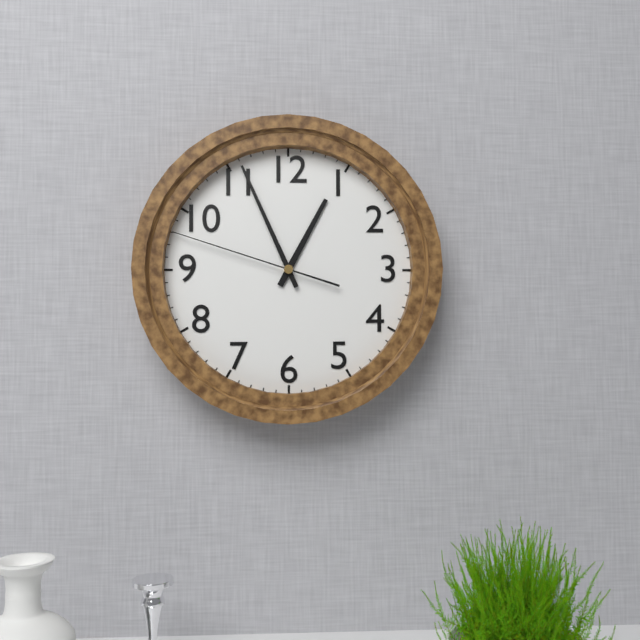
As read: {"hour": 12, "minute": 56, "second": 48}
